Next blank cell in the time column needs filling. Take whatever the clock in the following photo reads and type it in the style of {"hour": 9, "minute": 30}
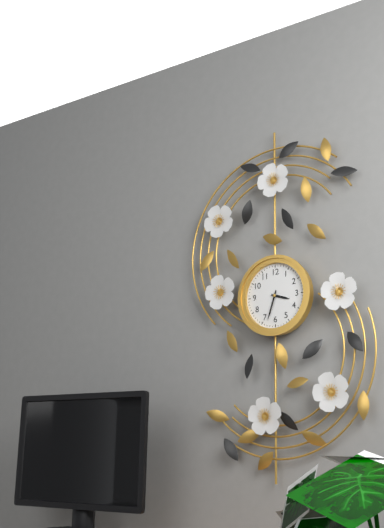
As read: {"hour": 3, "minute": 33}
